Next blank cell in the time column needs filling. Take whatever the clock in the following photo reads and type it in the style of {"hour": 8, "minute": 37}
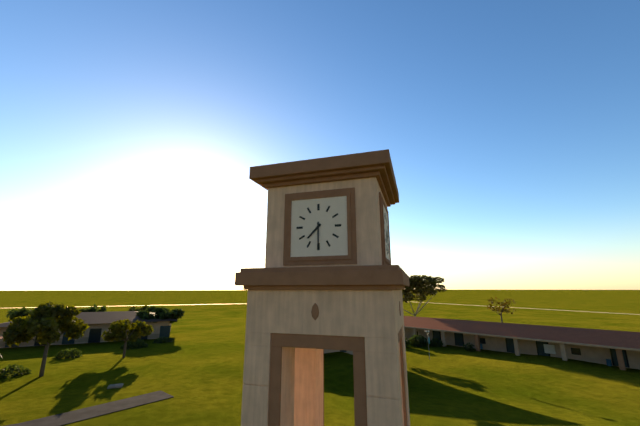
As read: {"hour": 7, "minute": 30}
